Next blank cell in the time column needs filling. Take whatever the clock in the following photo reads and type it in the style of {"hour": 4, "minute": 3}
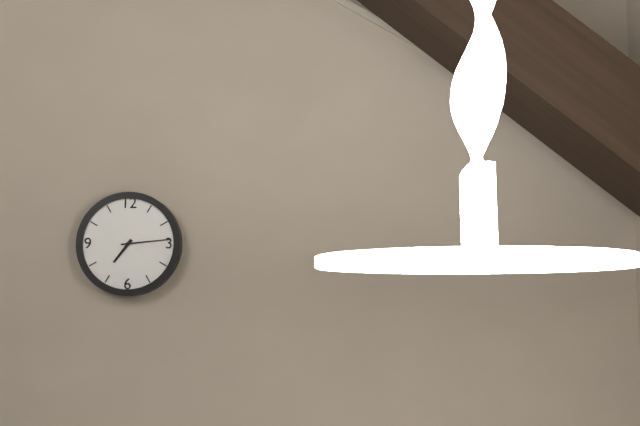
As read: {"hour": 7, "minute": 14}
